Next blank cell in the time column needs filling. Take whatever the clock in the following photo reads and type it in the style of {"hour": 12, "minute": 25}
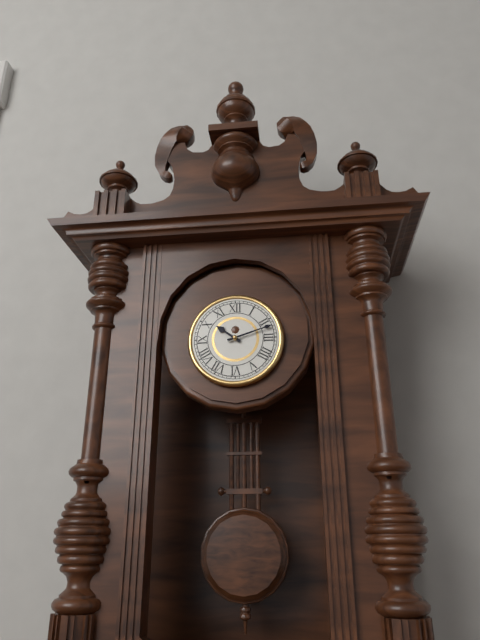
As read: {"hour": 10, "minute": 12}
